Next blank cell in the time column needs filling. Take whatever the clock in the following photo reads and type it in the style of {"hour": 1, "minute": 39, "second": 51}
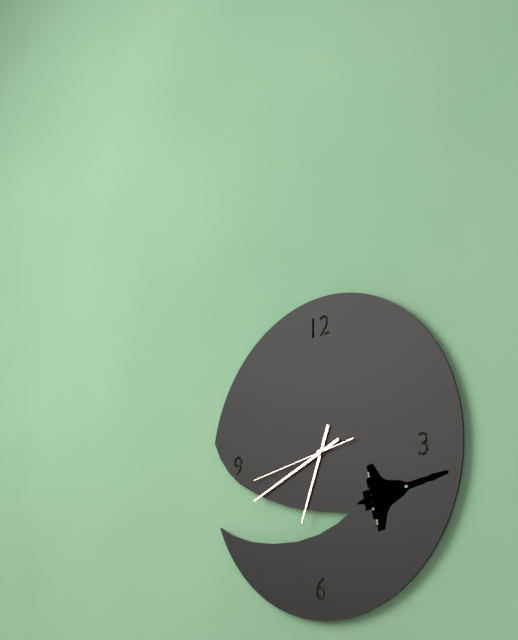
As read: {"hour": 6, "minute": 41, "second": 43}
